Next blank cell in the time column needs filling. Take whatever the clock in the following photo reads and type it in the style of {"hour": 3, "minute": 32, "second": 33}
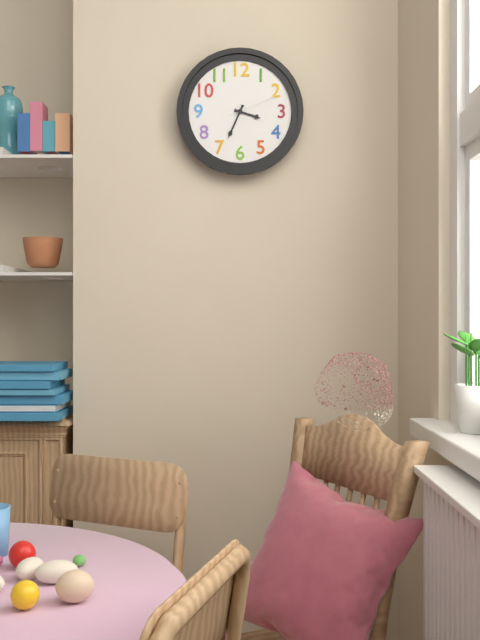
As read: {"hour": 3, "minute": 34, "second": 11}
